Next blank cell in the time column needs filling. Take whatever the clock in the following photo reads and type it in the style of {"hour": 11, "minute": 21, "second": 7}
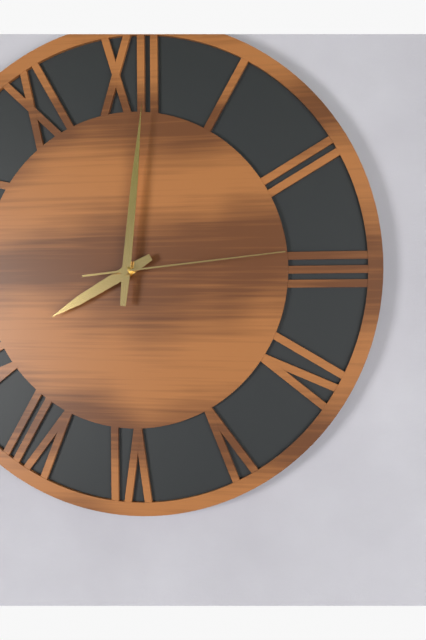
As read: {"hour": 8, "minute": 1, "second": 14}
